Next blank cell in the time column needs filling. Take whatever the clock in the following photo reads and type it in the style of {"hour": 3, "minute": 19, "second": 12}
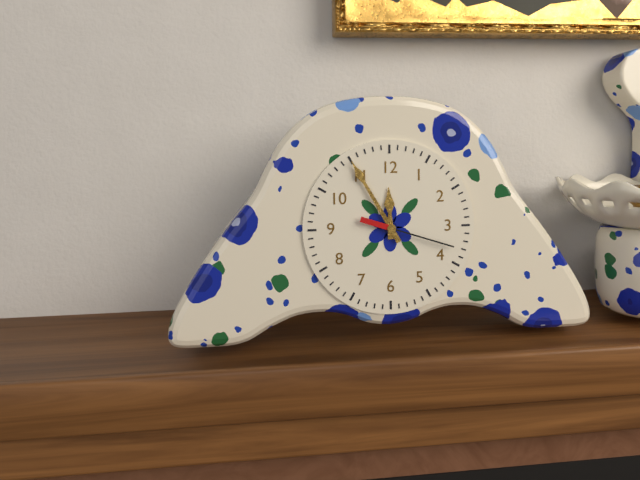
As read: {"hour": 11, "minute": 55, "second": 18}
